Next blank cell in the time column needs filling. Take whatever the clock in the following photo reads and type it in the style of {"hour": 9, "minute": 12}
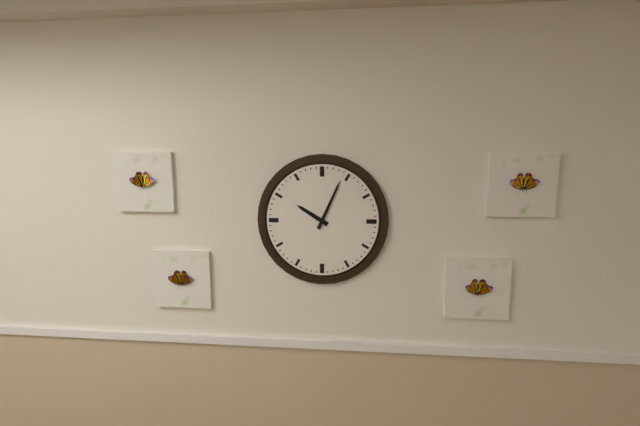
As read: {"hour": 10, "minute": 4}
